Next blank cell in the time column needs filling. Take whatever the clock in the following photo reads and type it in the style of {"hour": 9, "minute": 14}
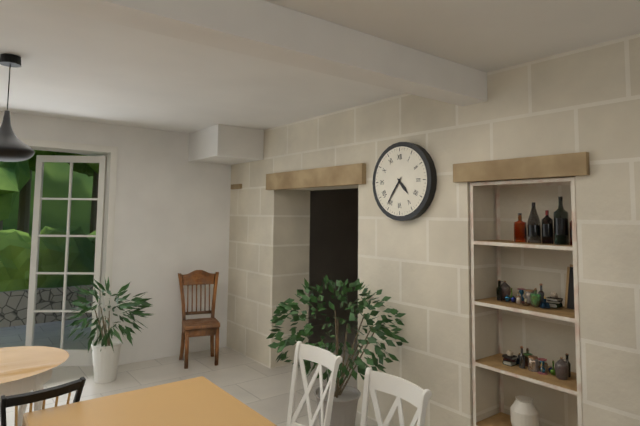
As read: {"hour": 4, "minute": 36}
